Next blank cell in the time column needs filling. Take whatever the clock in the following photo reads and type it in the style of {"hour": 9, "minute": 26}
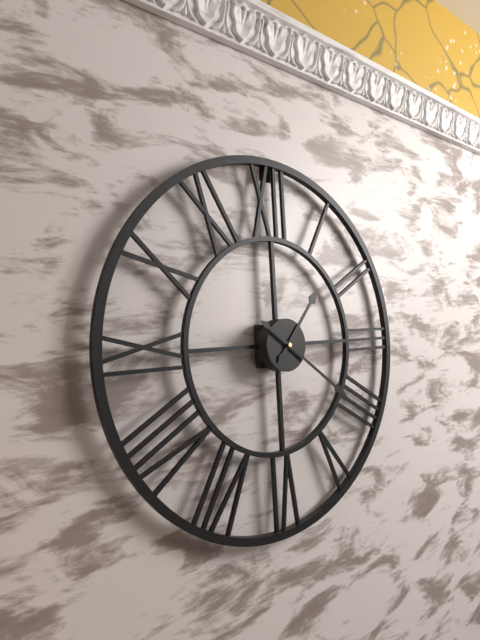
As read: {"hour": 1, "minute": 21}
